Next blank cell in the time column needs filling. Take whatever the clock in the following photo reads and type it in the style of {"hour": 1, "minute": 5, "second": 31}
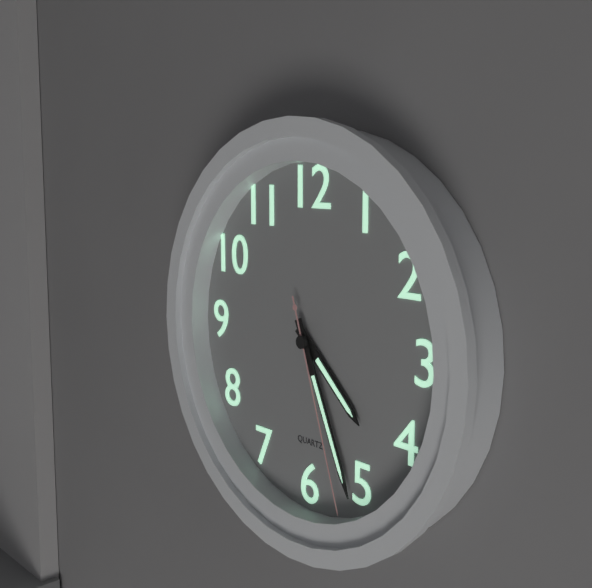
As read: {"hour": 4, "minute": 26, "second": 27}
